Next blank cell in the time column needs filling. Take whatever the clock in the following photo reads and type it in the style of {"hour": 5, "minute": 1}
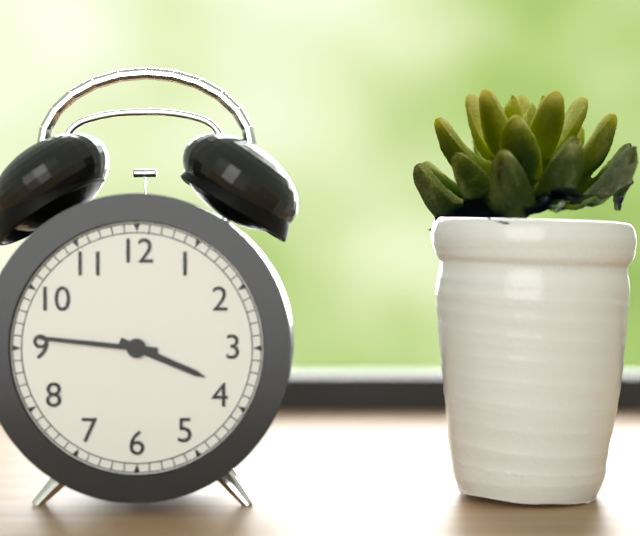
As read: {"hour": 3, "minute": 46}
